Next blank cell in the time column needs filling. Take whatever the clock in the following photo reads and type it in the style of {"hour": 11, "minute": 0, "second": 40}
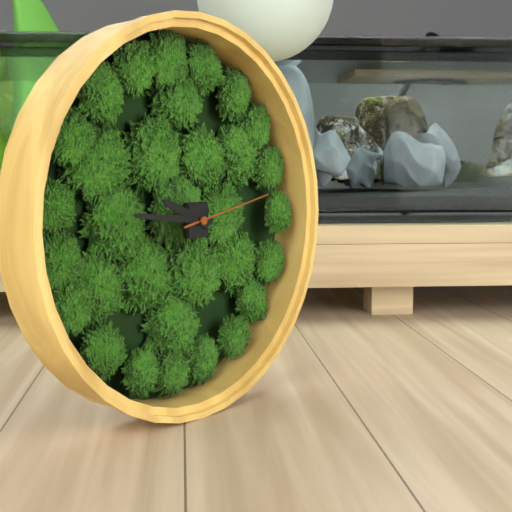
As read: {"hour": 9, "minute": 46, "second": 13}
